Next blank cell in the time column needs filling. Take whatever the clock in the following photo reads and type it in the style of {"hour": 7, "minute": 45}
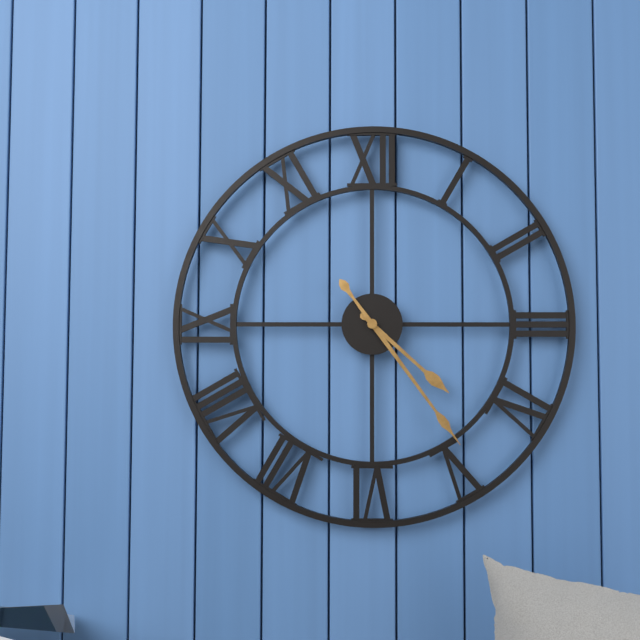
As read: {"hour": 4, "minute": 24}
